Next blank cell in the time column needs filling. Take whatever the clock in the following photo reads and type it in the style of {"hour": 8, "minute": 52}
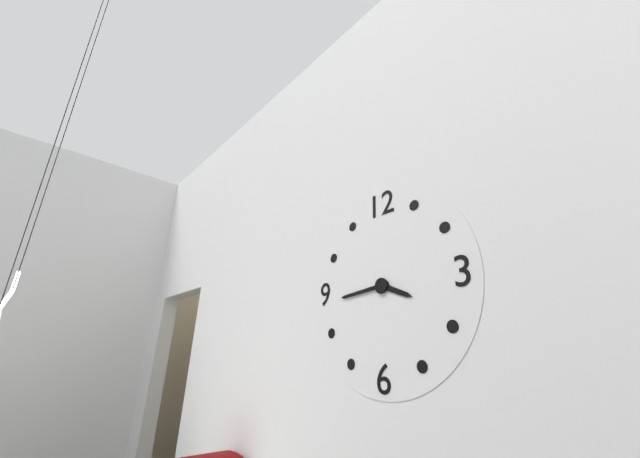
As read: {"hour": 3, "minute": 44}
